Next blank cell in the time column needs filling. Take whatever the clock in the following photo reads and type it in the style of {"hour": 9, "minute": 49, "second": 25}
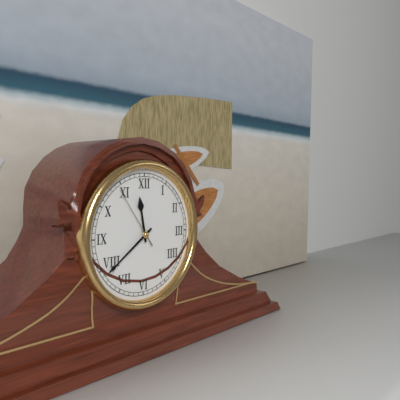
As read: {"hour": 11, "minute": 39, "second": 54}
